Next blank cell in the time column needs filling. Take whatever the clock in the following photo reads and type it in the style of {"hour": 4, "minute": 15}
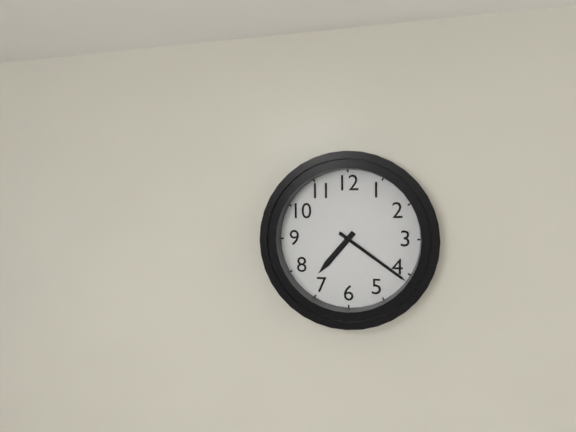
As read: {"hour": 7, "minute": 21}
